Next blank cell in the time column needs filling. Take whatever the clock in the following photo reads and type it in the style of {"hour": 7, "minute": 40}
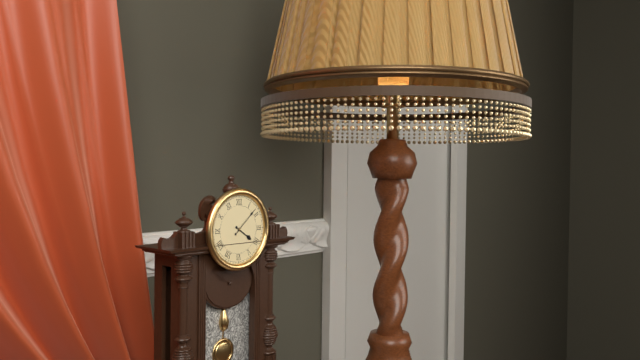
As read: {"hour": 4, "minute": 8}
